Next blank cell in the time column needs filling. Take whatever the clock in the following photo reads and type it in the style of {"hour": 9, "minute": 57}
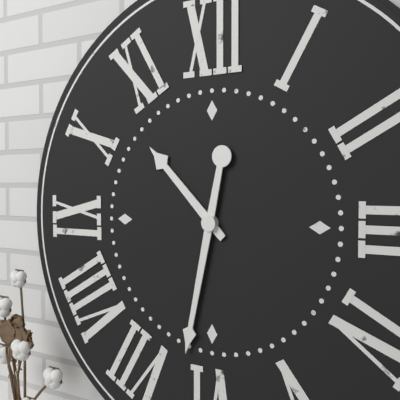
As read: {"hour": 10, "minute": 32}
